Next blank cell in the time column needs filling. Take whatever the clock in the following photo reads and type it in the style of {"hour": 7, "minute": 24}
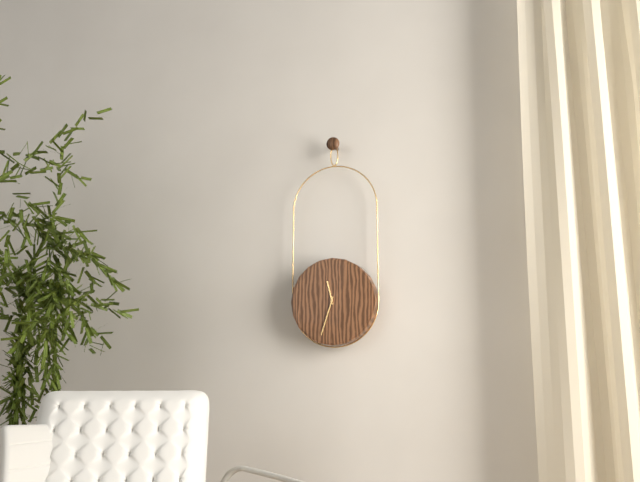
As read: {"hour": 11, "minute": 33}
